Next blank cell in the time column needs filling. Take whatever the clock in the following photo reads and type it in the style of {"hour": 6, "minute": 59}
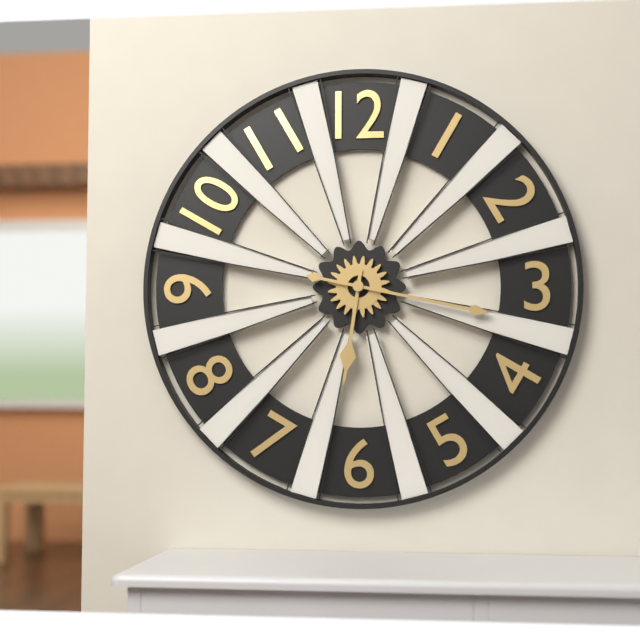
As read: {"hour": 6, "minute": 17}
